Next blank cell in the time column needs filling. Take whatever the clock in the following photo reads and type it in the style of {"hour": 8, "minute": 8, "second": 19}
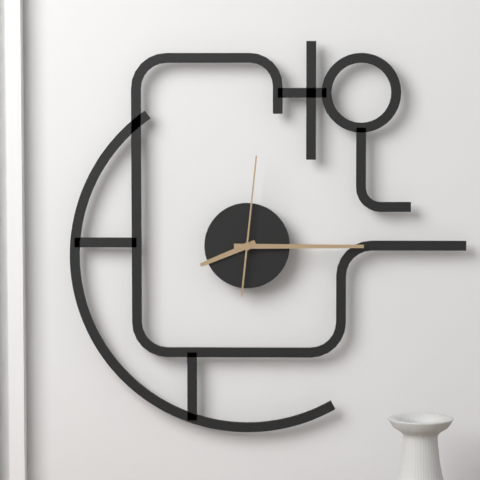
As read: {"hour": 8, "minute": 15, "second": 1}
